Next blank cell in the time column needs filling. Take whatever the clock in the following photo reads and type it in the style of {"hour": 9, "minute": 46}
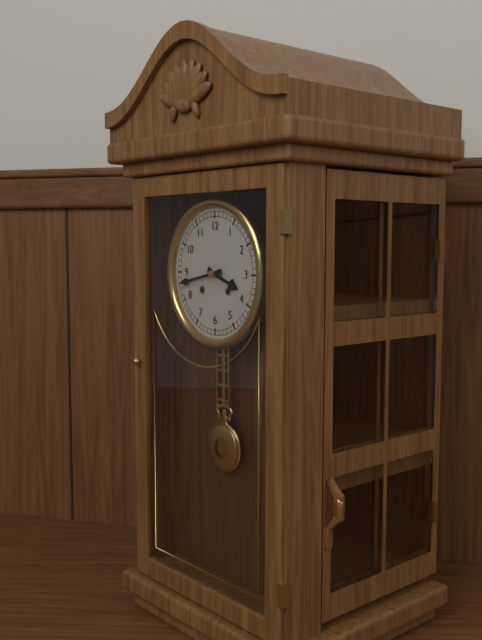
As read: {"hour": 3, "minute": 43}
